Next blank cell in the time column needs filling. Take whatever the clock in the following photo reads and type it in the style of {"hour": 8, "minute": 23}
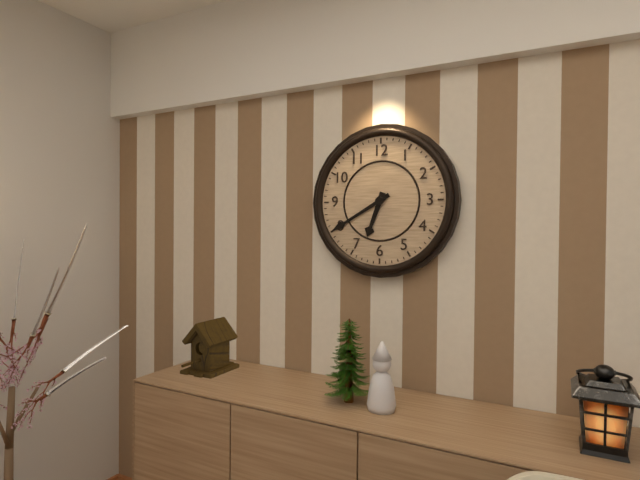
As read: {"hour": 6, "minute": 40}
